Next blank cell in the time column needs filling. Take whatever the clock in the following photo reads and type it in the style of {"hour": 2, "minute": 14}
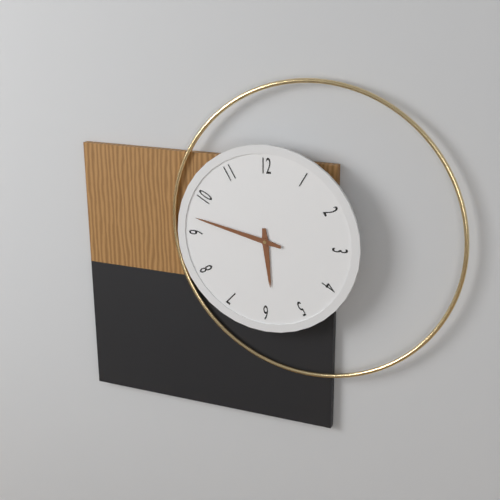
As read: {"hour": 5, "minute": 47}
